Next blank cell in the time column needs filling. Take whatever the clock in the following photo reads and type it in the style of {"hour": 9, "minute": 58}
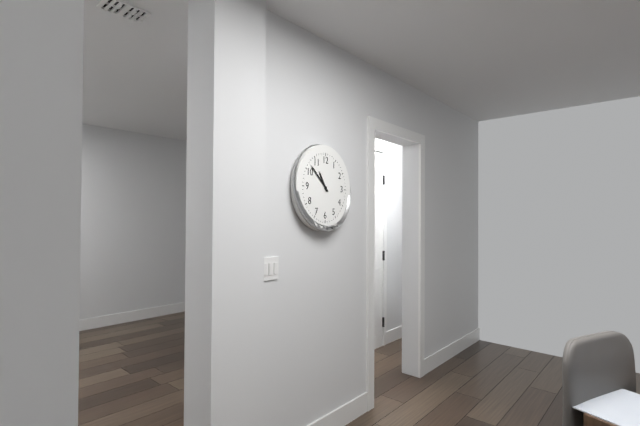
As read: {"hour": 10, "minute": 52}
